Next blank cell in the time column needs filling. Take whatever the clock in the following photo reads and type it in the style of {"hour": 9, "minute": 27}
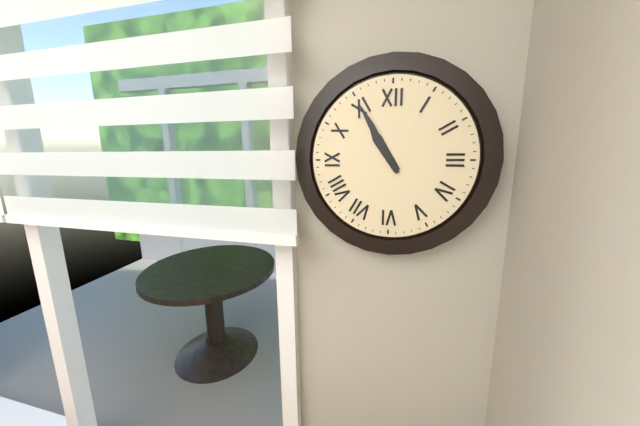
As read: {"hour": 10, "minute": 55}
